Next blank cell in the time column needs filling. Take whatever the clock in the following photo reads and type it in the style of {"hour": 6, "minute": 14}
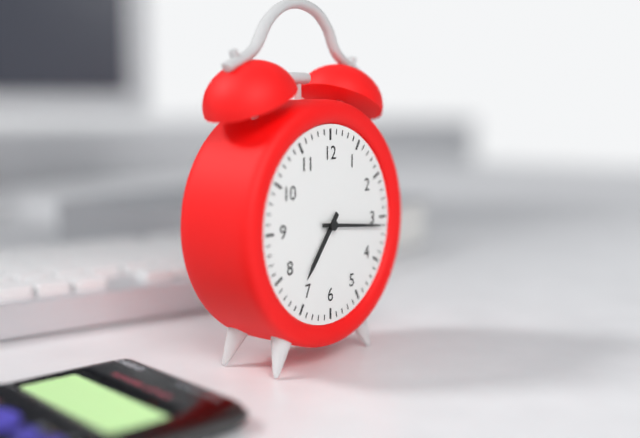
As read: {"hour": 7, "minute": 16}
